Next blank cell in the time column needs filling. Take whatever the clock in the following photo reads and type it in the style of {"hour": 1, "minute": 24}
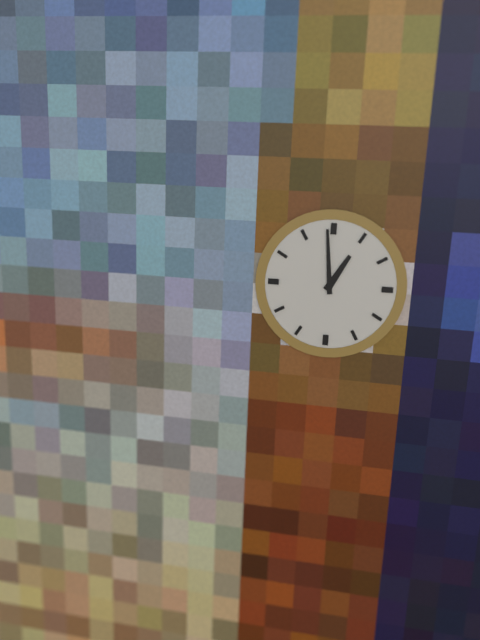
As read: {"hour": 12, "minute": 59}
